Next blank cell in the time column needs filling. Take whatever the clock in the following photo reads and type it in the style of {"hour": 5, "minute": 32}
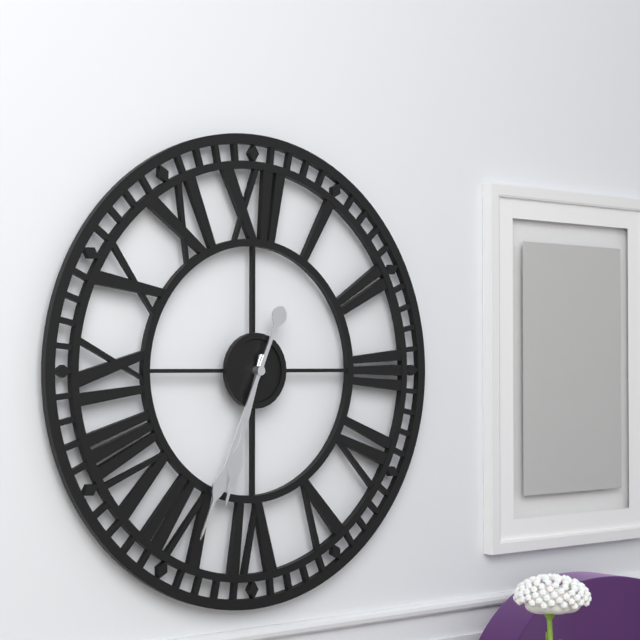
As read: {"hour": 6, "minute": 34}
